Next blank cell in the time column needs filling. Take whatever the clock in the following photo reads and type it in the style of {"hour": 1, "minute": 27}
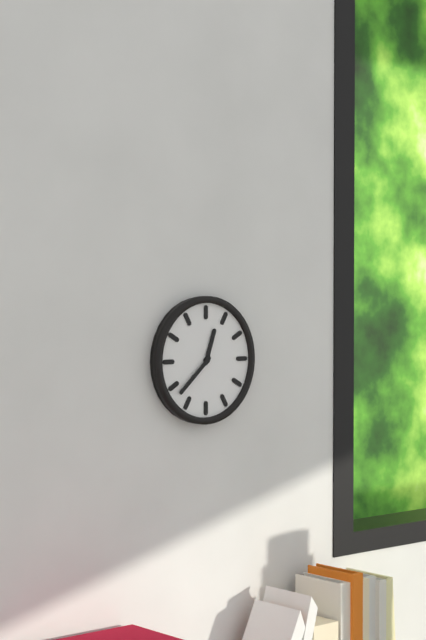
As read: {"hour": 12, "minute": 38}
